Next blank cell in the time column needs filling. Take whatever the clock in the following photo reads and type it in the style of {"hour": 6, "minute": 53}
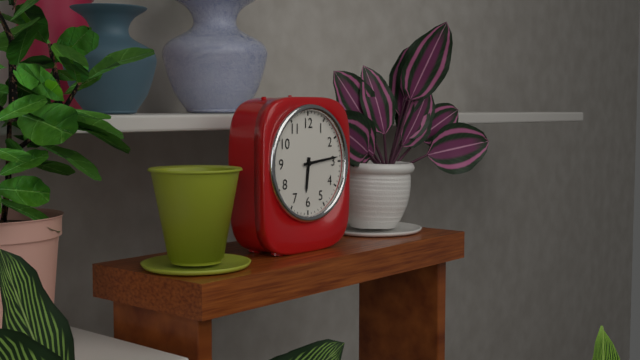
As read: {"hour": 6, "minute": 14}
